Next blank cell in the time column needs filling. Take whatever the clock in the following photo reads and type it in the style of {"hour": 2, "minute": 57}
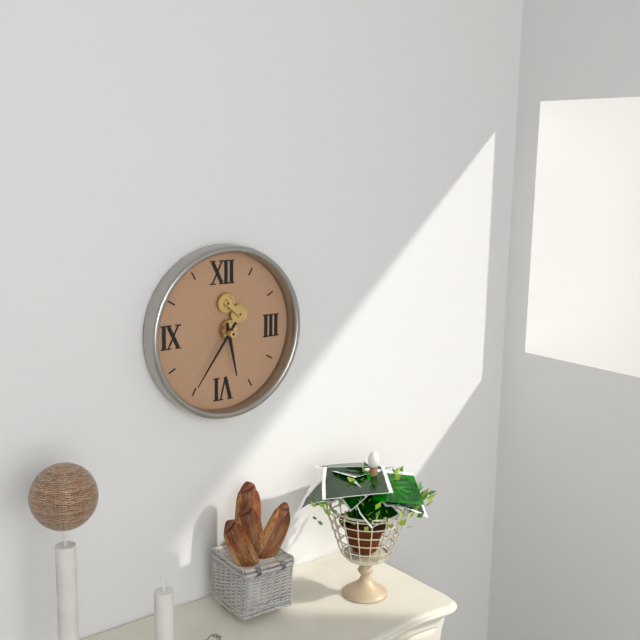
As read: {"hour": 5, "minute": 36}
